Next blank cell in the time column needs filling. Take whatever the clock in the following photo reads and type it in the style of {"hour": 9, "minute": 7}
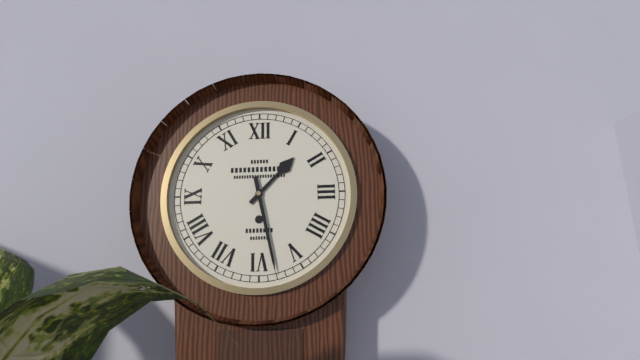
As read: {"hour": 1, "minute": 28}
